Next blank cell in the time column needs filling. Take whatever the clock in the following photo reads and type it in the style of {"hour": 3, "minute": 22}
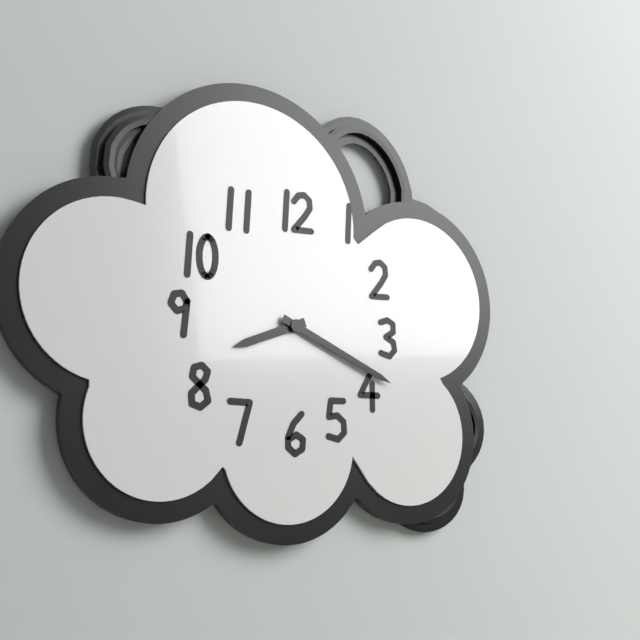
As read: {"hour": 8, "minute": 19}
